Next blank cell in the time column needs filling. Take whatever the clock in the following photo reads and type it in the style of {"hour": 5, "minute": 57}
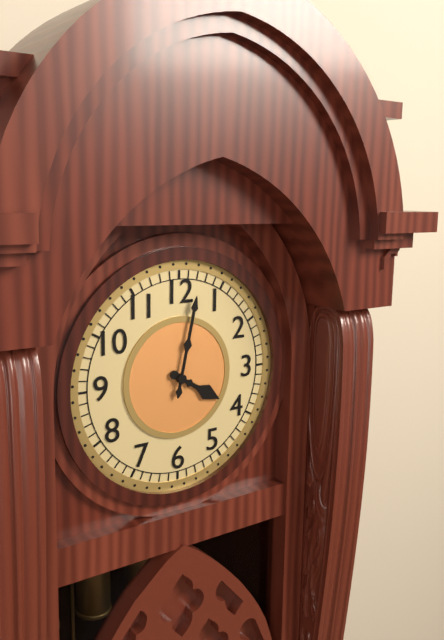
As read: {"hour": 4, "minute": 2}
